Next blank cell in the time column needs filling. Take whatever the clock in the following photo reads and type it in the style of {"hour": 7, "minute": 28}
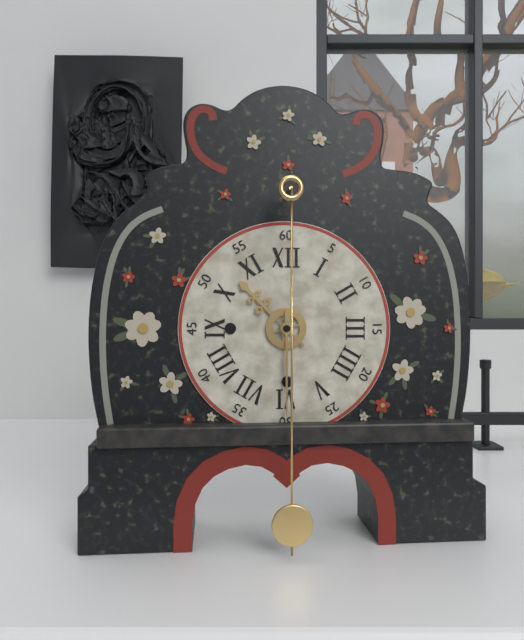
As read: {"hour": 10, "minute": 30}
